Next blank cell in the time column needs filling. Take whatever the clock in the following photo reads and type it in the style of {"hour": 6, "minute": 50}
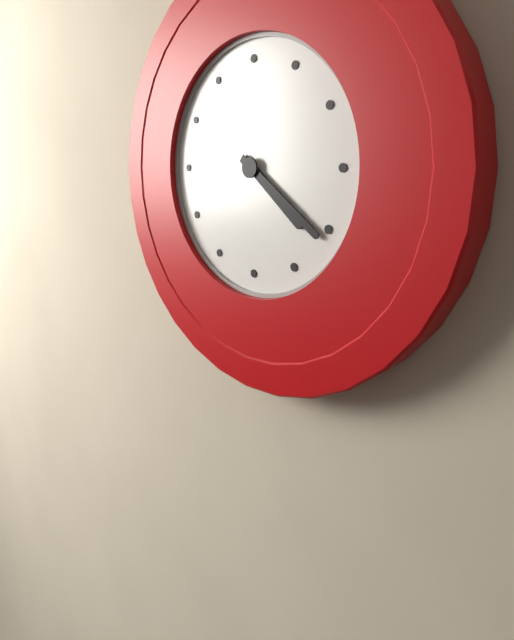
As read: {"hour": 4, "minute": 21}
